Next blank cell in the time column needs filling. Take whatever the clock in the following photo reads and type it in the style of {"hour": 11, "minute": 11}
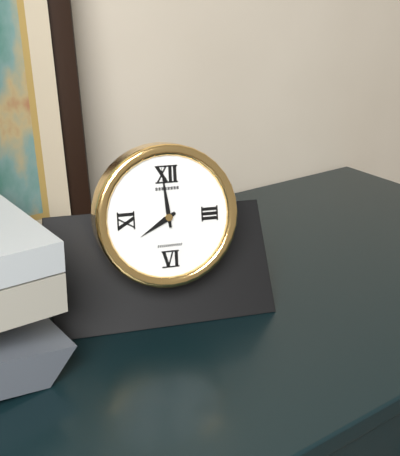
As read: {"hour": 7, "minute": 59}
